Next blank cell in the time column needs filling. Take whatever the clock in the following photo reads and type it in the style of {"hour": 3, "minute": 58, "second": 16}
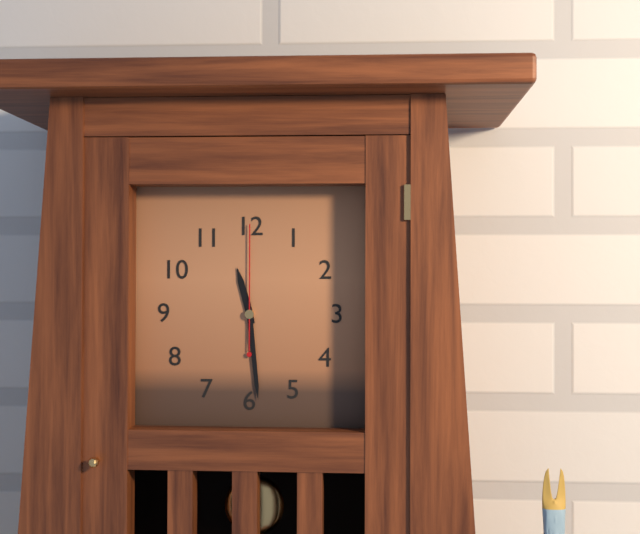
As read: {"hour": 11, "minute": 29, "second": 0}
